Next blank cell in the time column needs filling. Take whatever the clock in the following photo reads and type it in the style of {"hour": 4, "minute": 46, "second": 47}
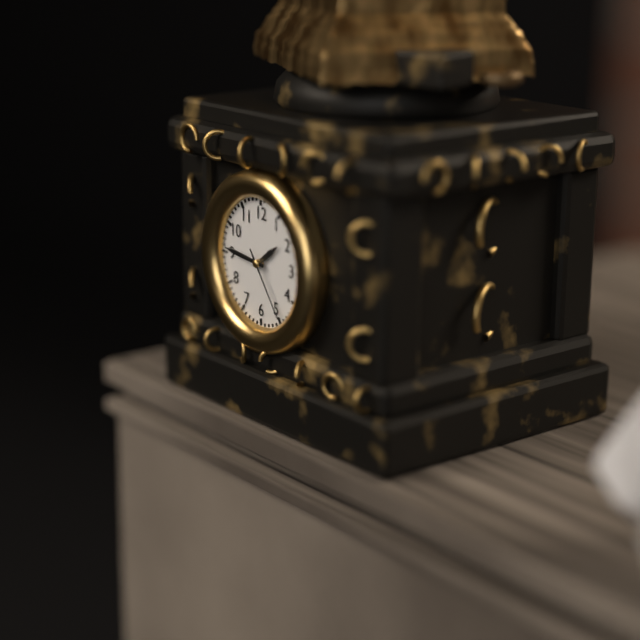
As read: {"hour": 1, "minute": 46, "second": 24}
